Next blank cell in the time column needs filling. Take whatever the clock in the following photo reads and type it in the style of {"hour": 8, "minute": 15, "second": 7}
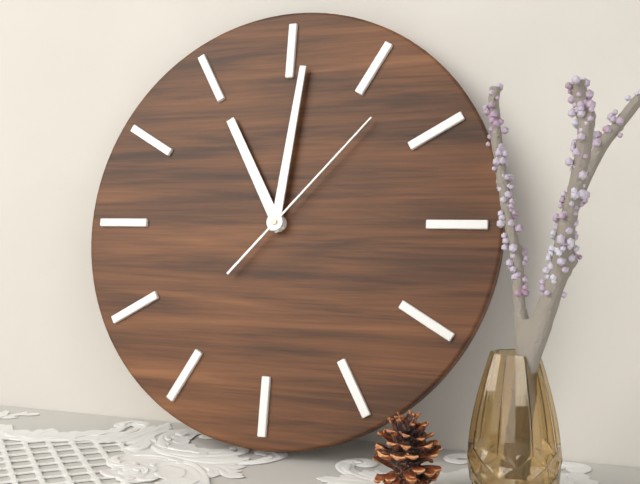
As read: {"hour": 11, "minute": 1, "second": 7}
